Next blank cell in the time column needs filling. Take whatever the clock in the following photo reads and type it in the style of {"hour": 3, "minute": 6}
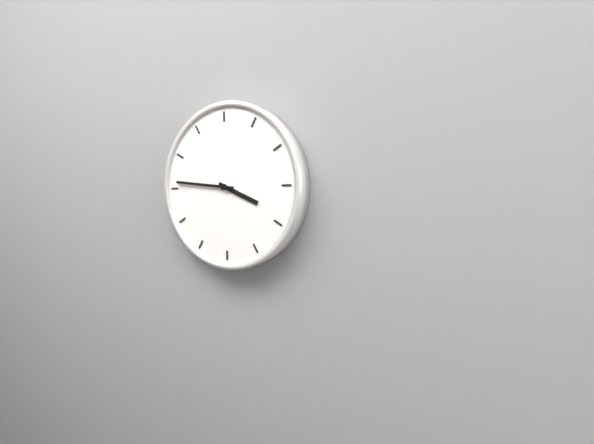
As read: {"hour": 3, "minute": 46}
